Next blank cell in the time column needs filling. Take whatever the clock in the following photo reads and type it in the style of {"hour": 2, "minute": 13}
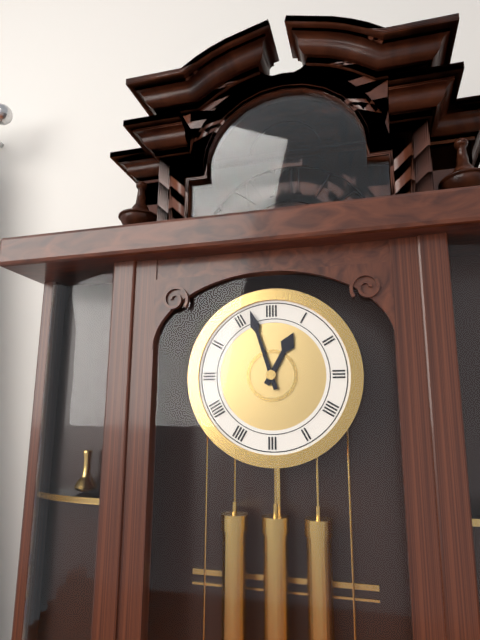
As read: {"hour": 12, "minute": 57}
